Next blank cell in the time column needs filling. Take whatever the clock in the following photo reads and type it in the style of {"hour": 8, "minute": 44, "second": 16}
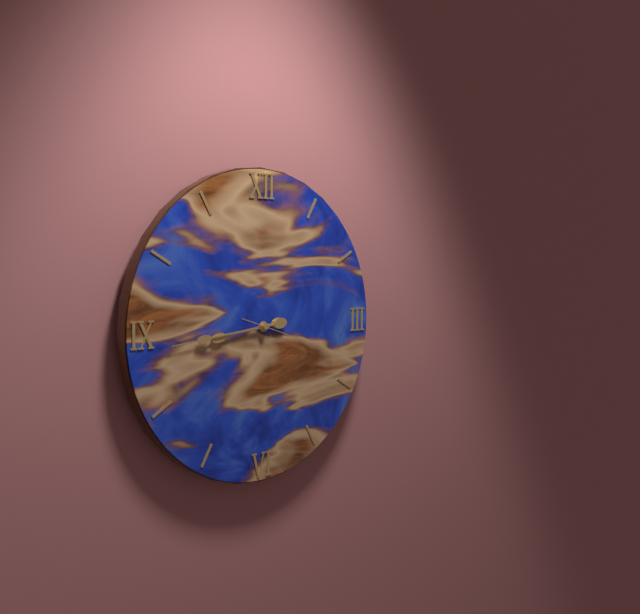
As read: {"hour": 8, "minute": 44, "second": 18}
